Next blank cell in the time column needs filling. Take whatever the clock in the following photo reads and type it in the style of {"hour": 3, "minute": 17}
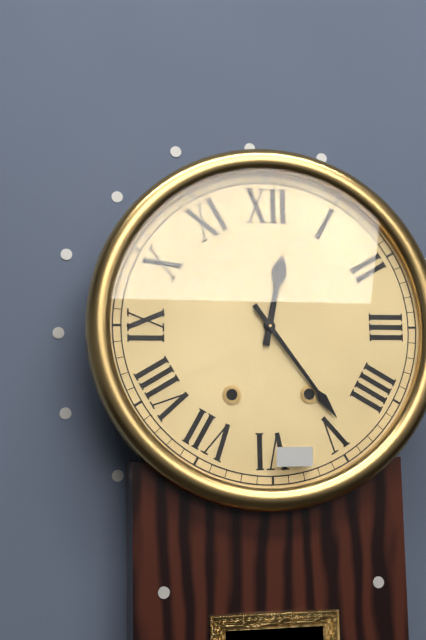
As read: {"hour": 12, "minute": 24}
